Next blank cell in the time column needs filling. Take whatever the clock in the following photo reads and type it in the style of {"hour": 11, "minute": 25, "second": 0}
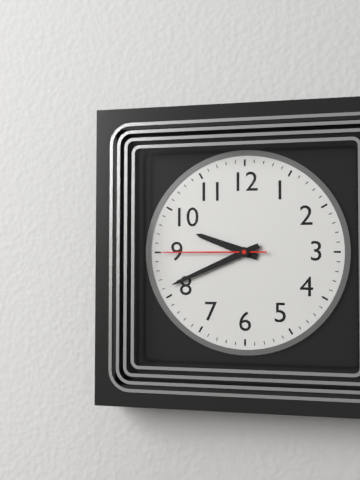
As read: {"hour": 9, "minute": 41, "second": 45}
